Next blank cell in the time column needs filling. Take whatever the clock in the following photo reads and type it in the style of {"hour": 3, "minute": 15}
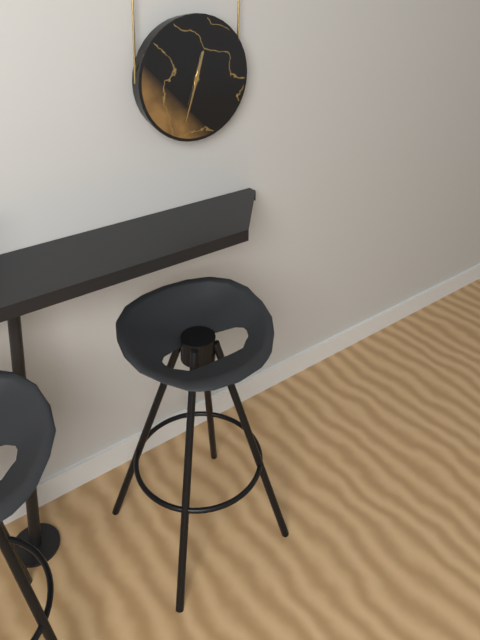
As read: {"hour": 12, "minute": 33}
